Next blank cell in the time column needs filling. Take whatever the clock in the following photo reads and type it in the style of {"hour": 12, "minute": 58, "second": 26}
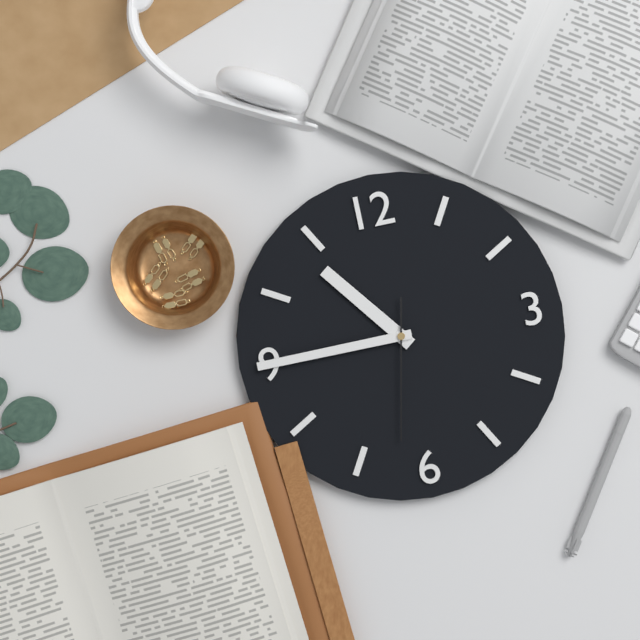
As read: {"hour": 10, "minute": 45, "second": 32}
